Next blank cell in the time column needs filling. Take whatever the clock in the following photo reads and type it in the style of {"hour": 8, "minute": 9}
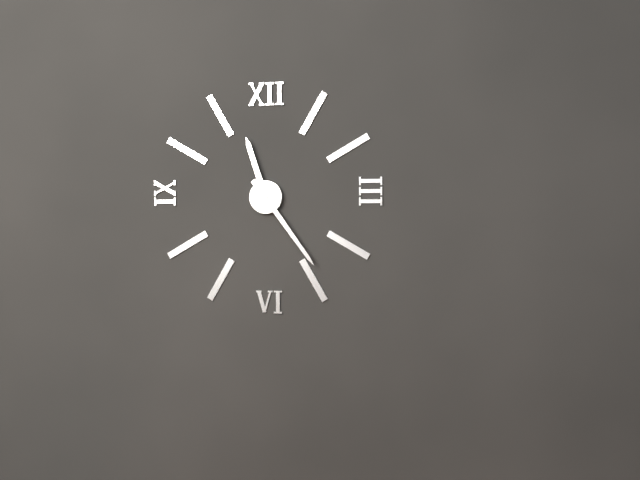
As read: {"hour": 11, "minute": 24}
